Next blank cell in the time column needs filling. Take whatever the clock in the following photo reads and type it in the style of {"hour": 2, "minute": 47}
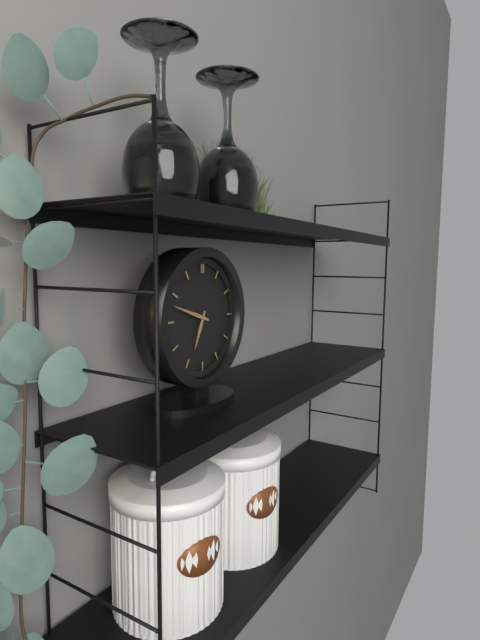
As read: {"hour": 6, "minute": 48}
